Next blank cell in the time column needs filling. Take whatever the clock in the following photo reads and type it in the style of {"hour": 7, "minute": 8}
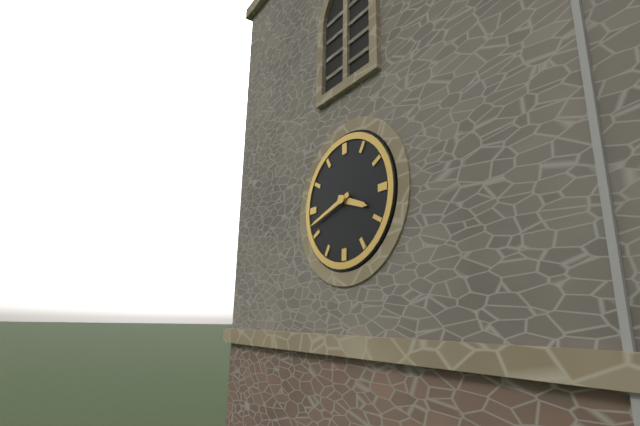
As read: {"hour": 3, "minute": 42}
